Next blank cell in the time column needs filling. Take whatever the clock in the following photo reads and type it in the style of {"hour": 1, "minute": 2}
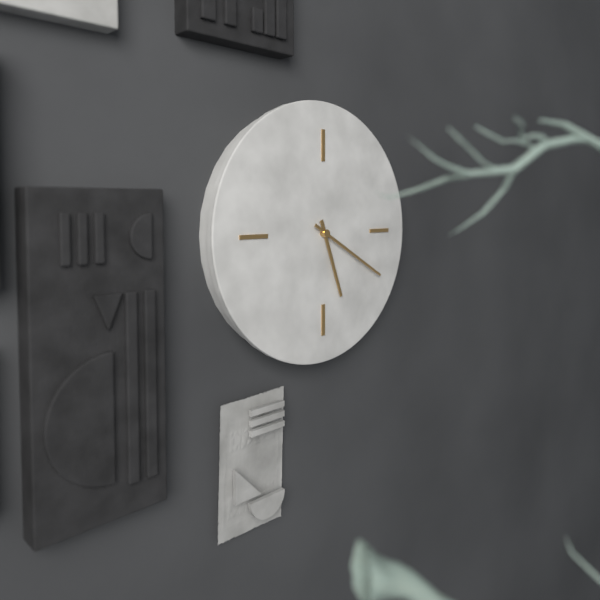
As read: {"hour": 5, "minute": 20}
